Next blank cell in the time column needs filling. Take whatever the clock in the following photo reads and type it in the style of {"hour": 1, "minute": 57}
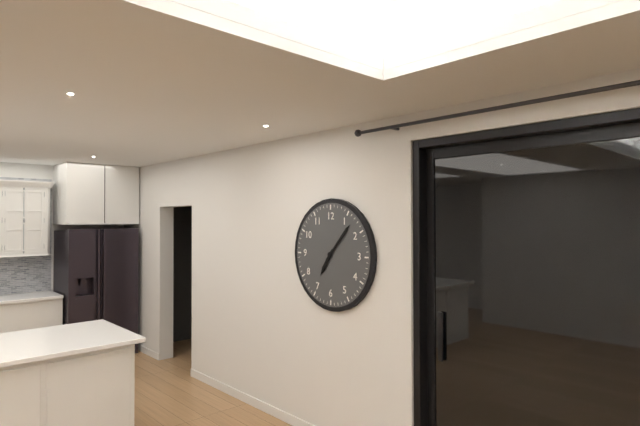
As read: {"hour": 7, "minute": 7}
